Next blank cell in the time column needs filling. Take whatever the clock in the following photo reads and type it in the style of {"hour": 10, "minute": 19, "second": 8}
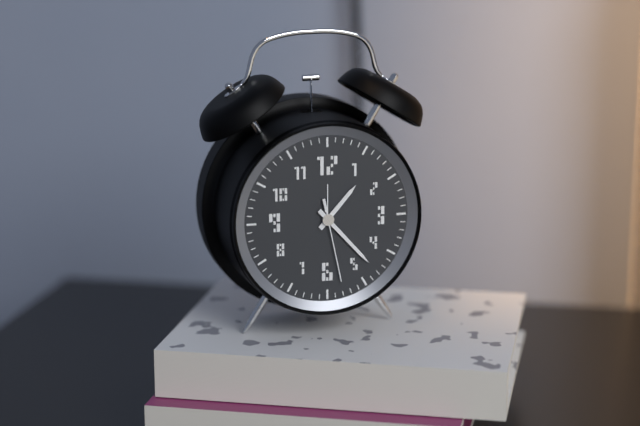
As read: {"hour": 1, "minute": 23, "second": 28}
